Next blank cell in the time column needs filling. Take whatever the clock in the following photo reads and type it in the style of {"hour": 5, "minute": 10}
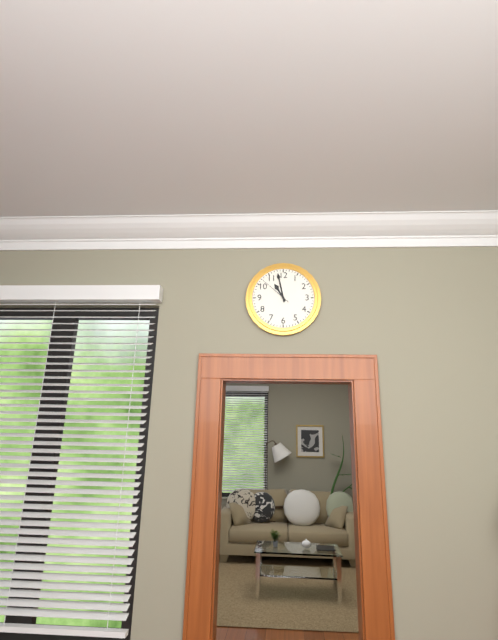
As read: {"hour": 10, "minute": 58}
